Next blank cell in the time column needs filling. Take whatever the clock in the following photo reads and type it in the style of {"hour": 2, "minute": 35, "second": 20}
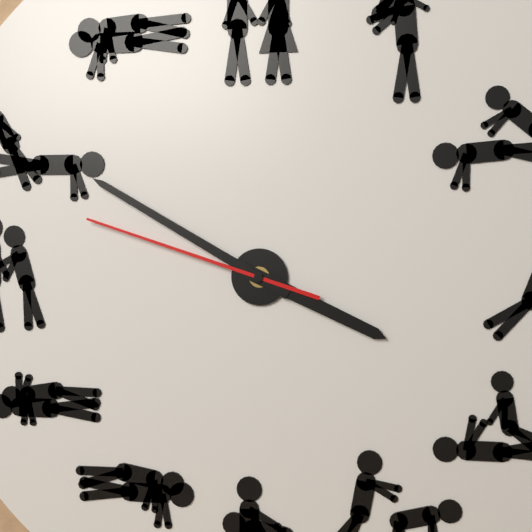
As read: {"hour": 3, "minute": 50, "second": 48}
